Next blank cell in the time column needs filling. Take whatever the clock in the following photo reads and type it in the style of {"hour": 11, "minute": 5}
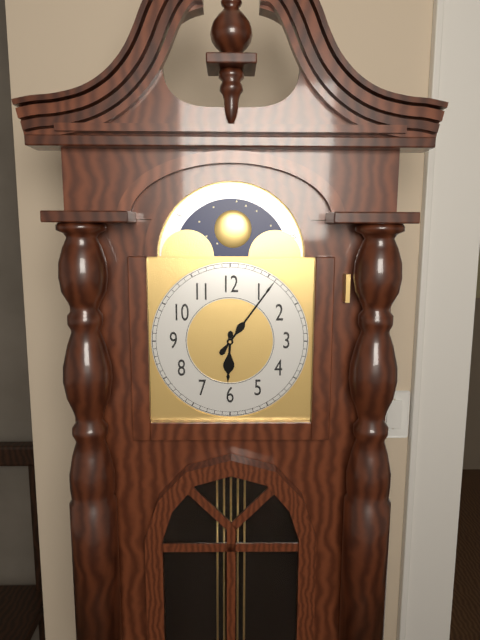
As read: {"hour": 6, "minute": 6}
